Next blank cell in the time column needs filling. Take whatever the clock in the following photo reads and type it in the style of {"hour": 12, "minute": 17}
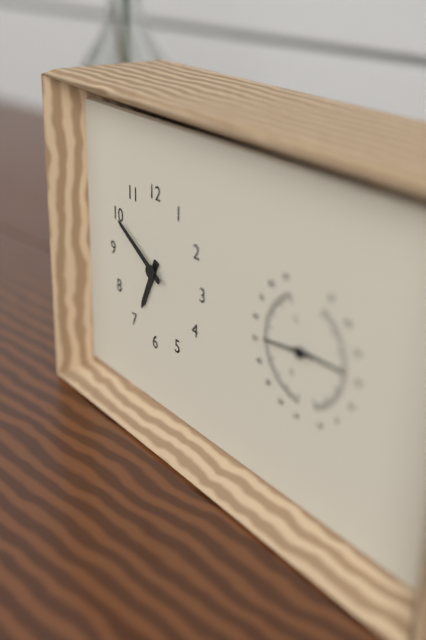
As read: {"hour": 6, "minute": 50}
